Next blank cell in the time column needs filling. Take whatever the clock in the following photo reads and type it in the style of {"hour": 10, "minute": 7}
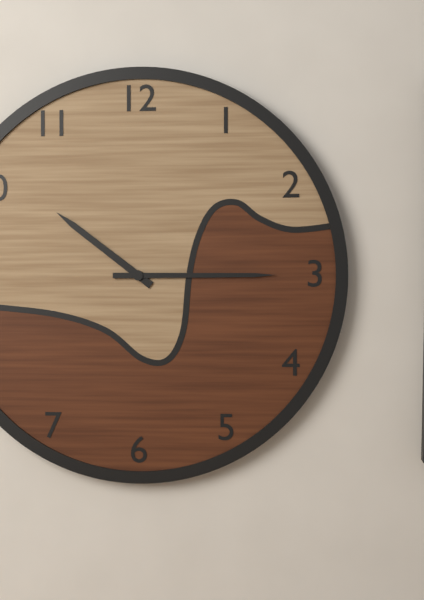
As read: {"hour": 10, "minute": 15}
